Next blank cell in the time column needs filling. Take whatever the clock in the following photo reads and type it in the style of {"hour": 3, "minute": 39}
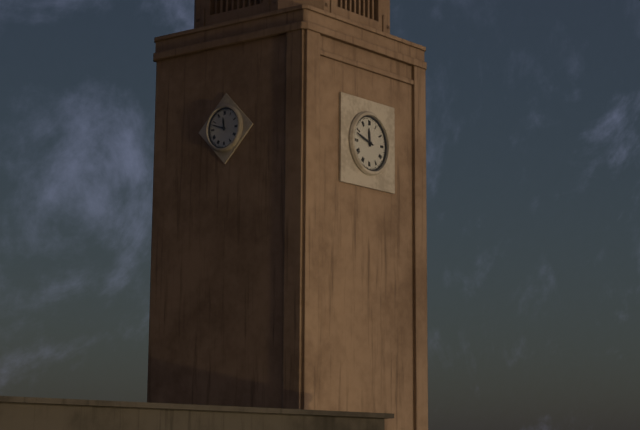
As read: {"hour": 11, "minute": 48}
